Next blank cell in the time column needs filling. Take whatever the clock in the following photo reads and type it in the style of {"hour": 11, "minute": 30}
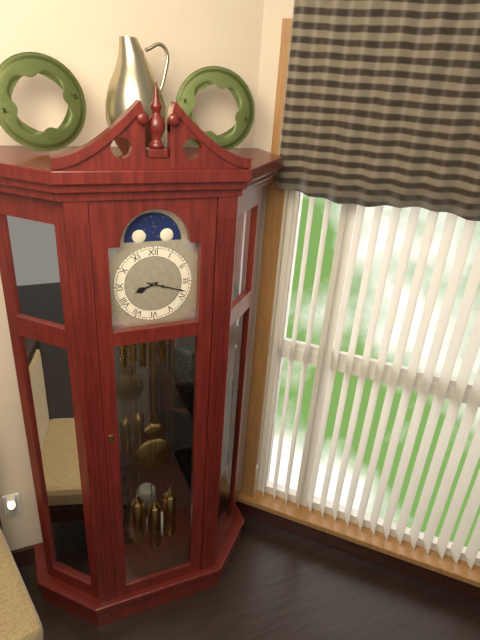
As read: {"hour": 8, "minute": 18}
